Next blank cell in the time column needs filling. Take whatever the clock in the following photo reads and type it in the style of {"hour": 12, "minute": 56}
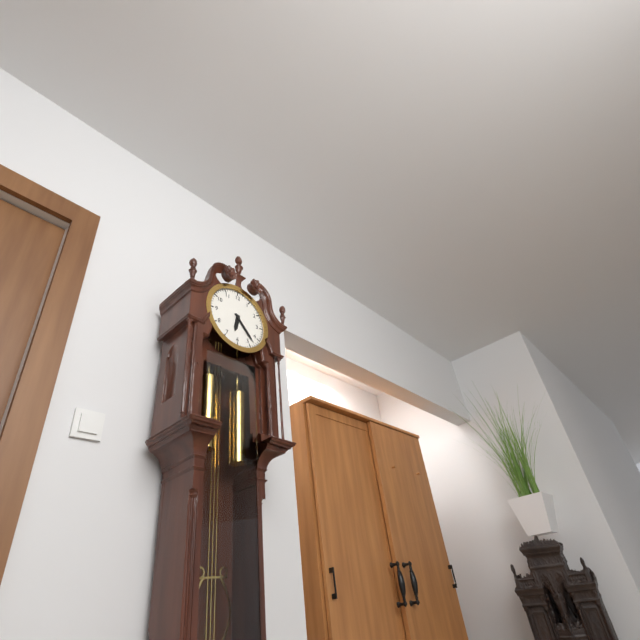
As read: {"hour": 6, "minute": 23}
